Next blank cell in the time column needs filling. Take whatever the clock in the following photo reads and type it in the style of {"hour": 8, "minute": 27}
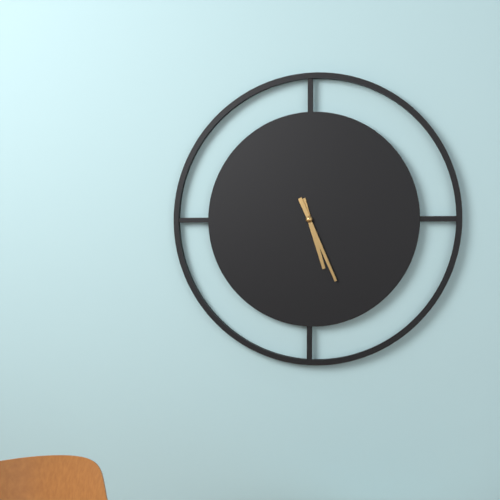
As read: {"hour": 5, "minute": 26}
